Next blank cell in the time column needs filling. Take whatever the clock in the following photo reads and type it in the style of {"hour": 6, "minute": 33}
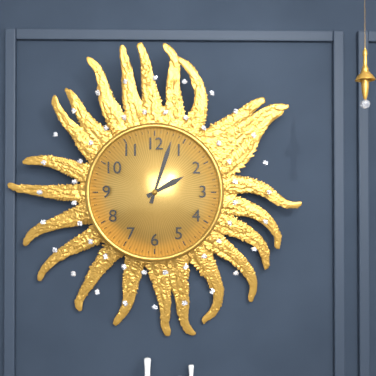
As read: {"hour": 2, "minute": 3}
